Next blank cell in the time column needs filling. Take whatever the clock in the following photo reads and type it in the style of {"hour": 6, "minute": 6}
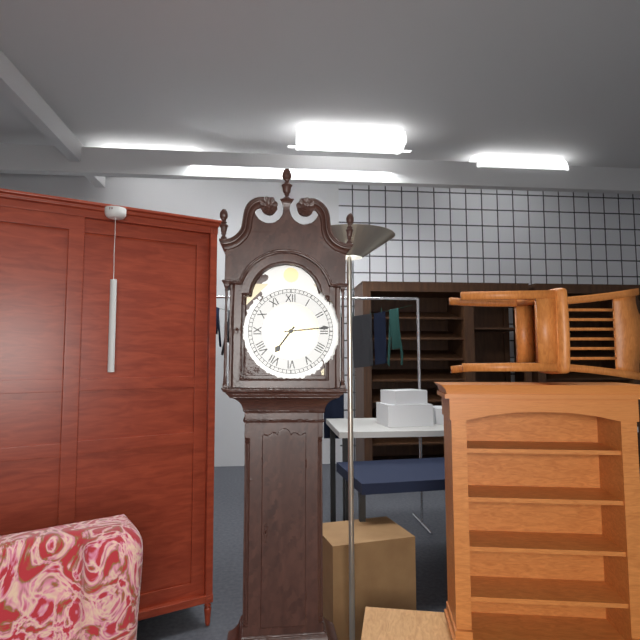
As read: {"hour": 7, "minute": 14}
